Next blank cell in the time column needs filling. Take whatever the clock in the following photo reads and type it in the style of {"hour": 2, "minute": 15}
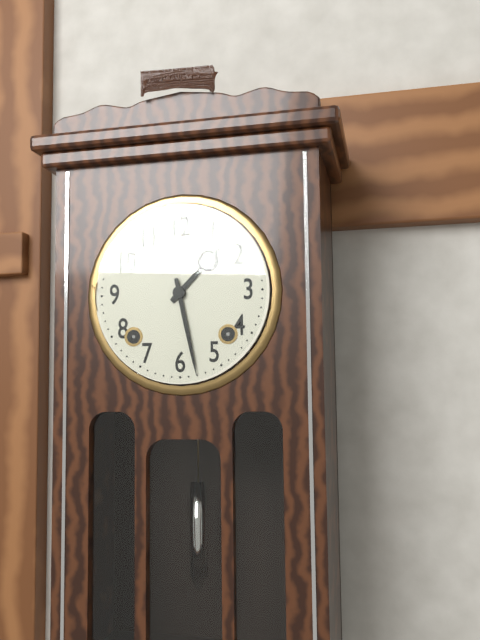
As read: {"hour": 1, "minute": 28}
